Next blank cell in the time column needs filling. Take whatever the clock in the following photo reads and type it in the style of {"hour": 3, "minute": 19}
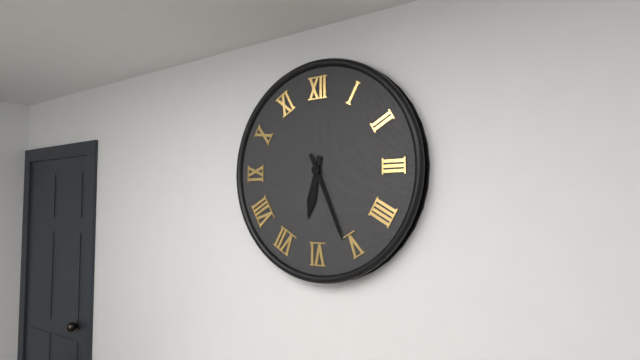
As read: {"hour": 6, "minute": 26}
